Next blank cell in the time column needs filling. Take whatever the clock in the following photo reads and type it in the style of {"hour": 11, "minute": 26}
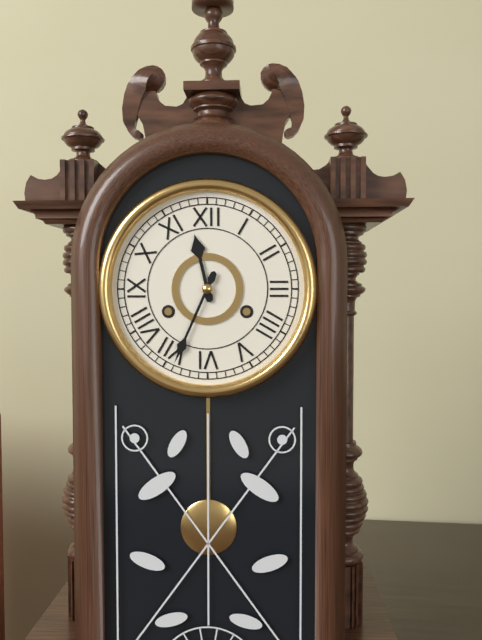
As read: {"hour": 11, "minute": 34}
